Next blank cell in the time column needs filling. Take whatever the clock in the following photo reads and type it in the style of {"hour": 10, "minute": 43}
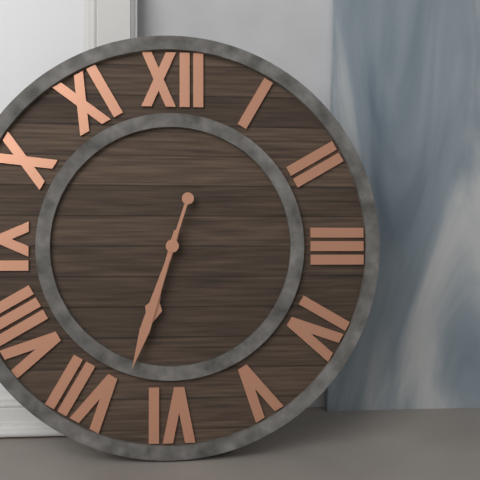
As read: {"hour": 6, "minute": 33}
